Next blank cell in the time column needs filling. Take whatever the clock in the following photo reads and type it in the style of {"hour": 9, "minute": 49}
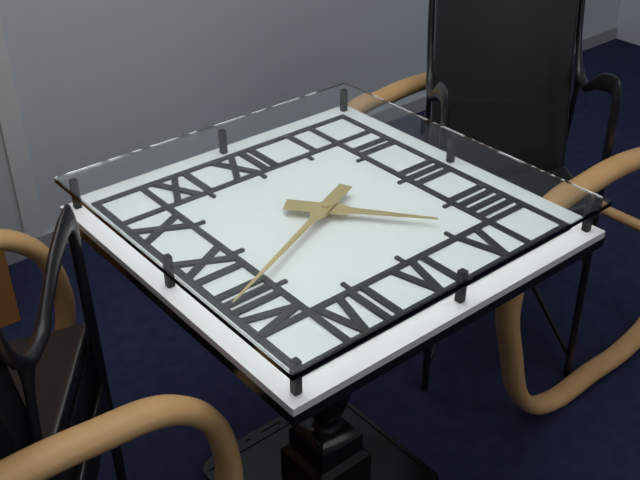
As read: {"hour": 4, "minute": 41}
